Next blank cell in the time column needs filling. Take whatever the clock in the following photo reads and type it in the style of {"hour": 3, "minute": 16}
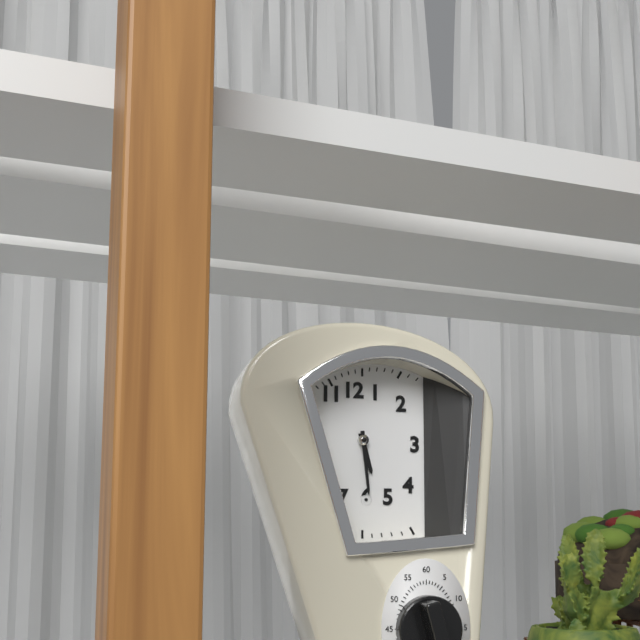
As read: {"hour": 5, "minute": 29}
